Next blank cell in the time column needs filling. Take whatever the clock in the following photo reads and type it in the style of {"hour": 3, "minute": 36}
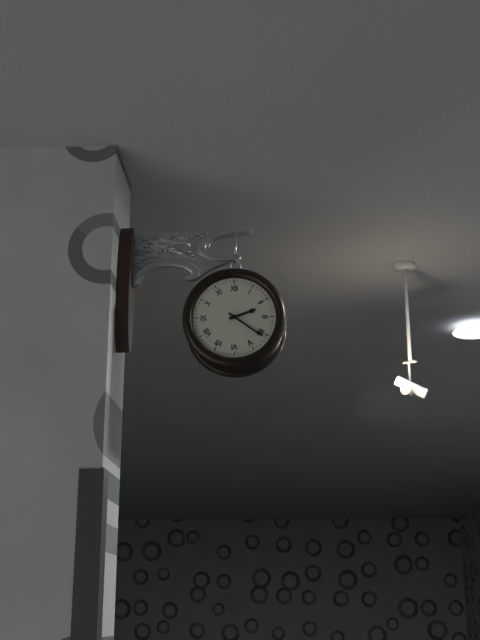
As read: {"hour": 2, "minute": 21}
